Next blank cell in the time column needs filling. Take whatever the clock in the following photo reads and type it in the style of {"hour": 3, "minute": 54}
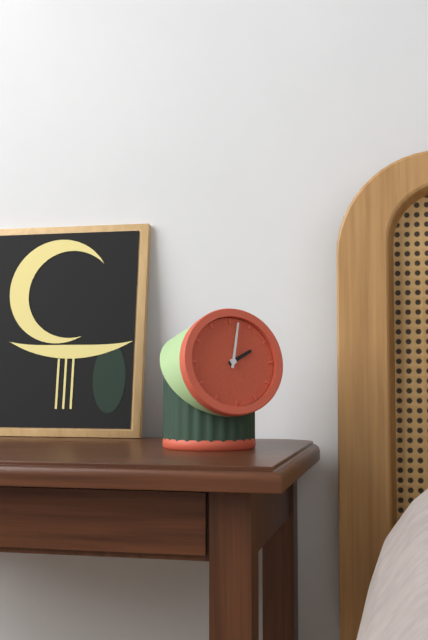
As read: {"hour": 2, "minute": 2}
